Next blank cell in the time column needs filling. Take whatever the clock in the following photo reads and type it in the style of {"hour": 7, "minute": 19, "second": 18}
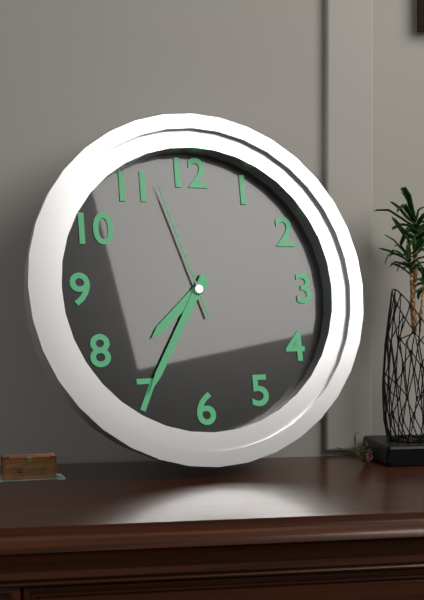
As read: {"hour": 7, "minute": 35, "second": 57}
